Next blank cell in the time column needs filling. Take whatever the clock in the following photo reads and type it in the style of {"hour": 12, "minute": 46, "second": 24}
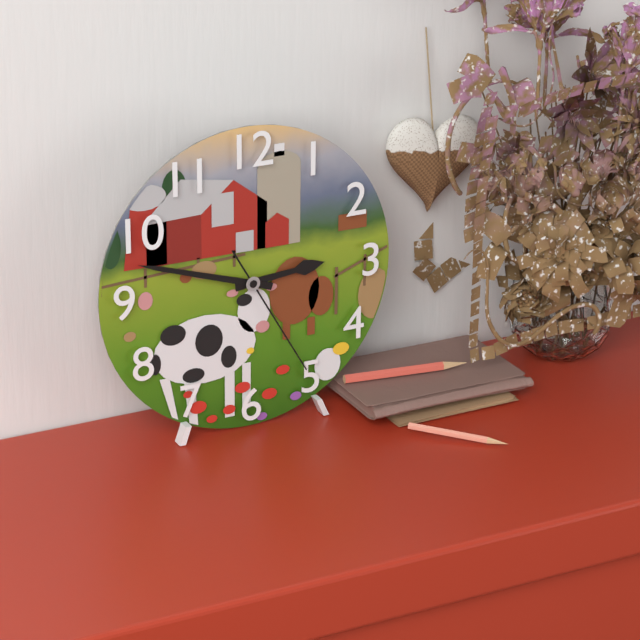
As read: {"hour": 2, "minute": 48, "second": 25}
